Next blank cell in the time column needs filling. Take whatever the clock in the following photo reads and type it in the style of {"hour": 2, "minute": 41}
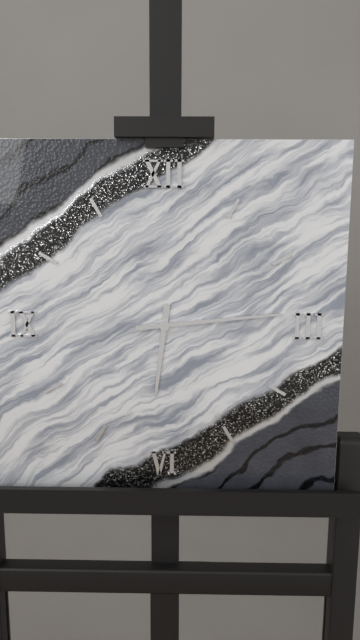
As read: {"hour": 6, "minute": 14}
